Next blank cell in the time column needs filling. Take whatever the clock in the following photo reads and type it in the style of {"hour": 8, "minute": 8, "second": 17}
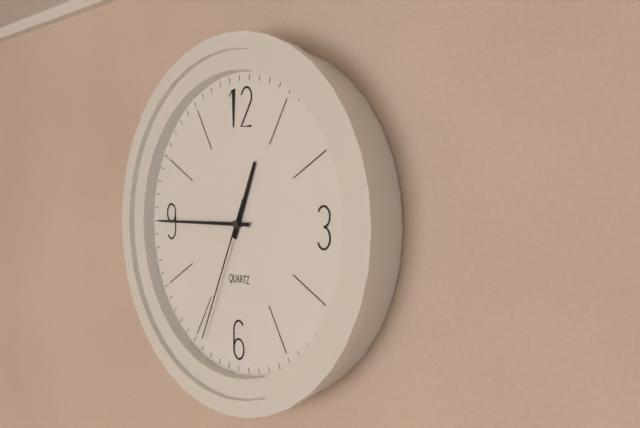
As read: {"hour": 12, "minute": 45, "second": 34}
